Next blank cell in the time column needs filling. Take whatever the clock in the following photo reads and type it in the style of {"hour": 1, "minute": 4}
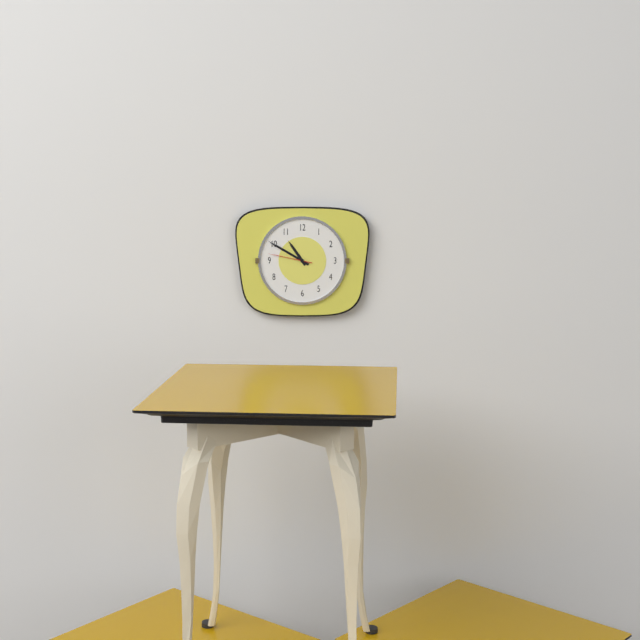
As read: {"hour": 10, "minute": 50}
